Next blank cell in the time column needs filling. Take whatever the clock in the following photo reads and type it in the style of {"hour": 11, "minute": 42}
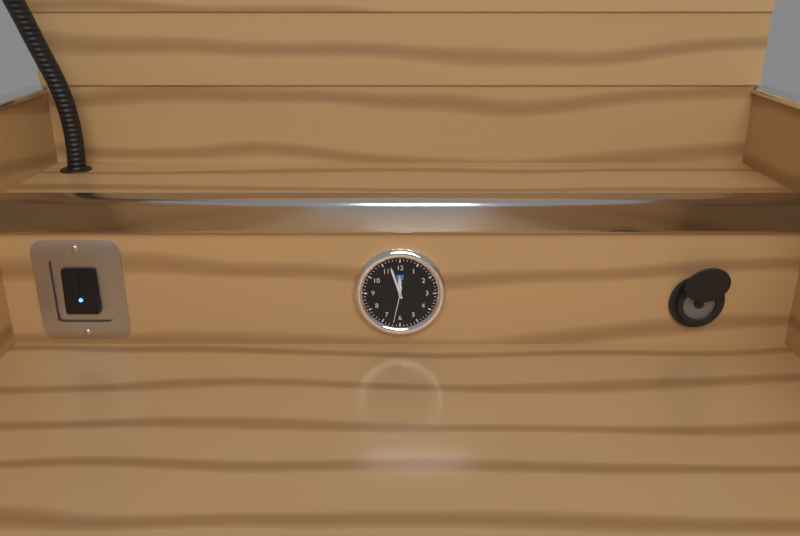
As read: {"hour": 11, "minute": 57}
